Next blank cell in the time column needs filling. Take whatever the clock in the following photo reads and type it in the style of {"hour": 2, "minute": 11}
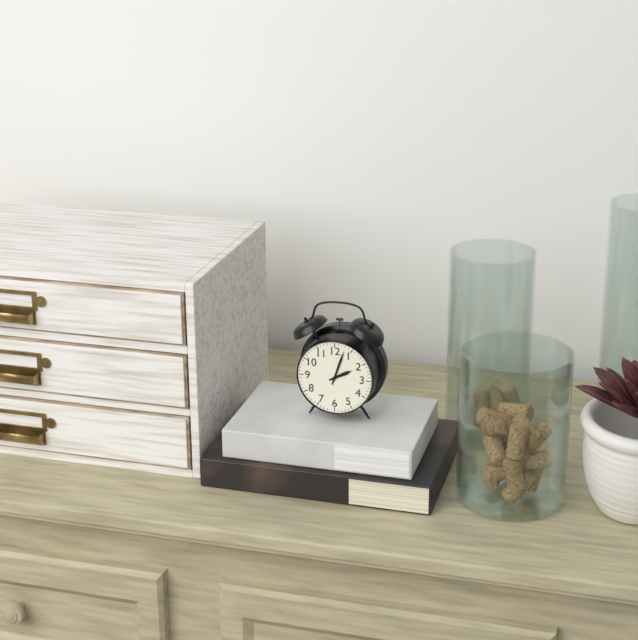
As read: {"hour": 2, "minute": 3}
